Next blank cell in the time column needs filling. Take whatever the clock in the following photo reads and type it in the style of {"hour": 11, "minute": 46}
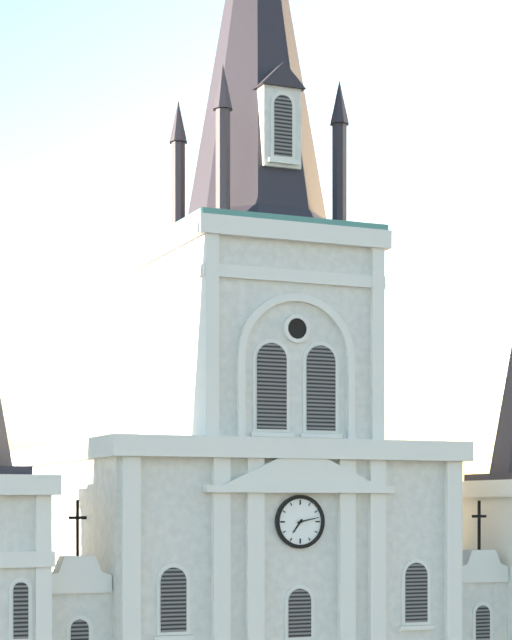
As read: {"hour": 7, "minute": 13}
